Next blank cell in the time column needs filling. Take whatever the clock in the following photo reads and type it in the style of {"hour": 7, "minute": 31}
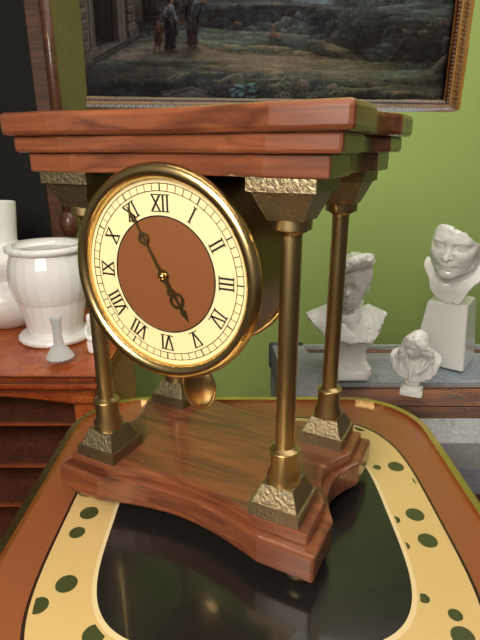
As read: {"hour": 4, "minute": 55}
